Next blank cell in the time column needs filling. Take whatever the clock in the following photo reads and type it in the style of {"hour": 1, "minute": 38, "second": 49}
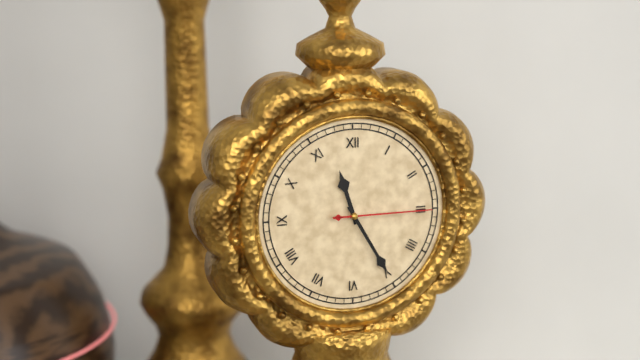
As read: {"hour": 11, "minute": 25, "second": 15}
